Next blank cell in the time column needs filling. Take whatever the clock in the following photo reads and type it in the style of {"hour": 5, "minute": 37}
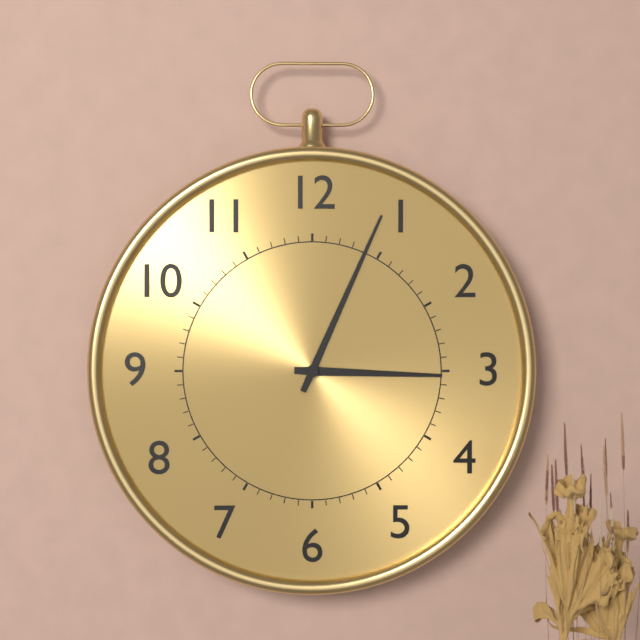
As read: {"hour": 3, "minute": 4}
